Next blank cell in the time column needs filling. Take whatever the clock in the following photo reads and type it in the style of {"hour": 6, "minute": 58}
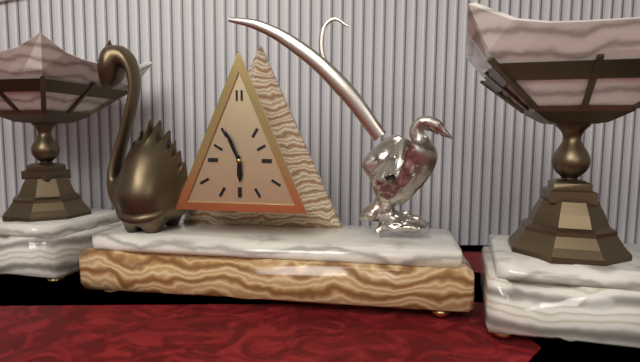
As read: {"hour": 5, "minute": 56}
